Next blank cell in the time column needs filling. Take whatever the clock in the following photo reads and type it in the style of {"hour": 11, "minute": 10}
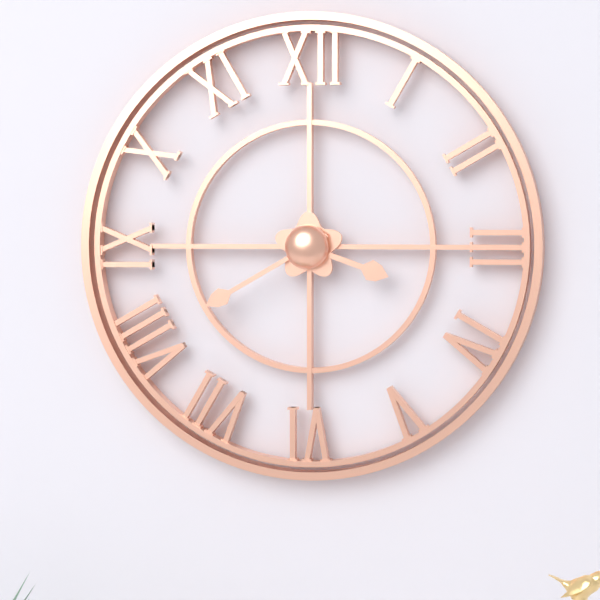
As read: {"hour": 3, "minute": 40}
